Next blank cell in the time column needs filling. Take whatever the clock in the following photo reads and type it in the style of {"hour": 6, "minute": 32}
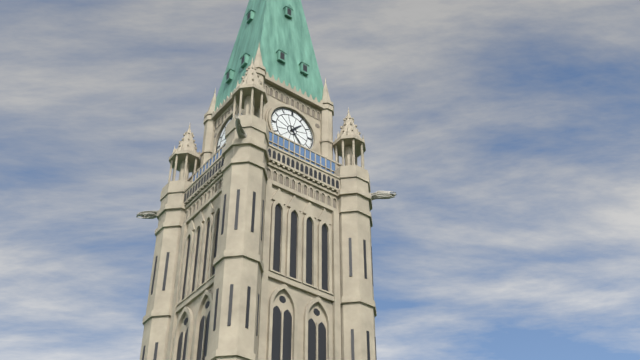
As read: {"hour": 1, "minute": 24}
